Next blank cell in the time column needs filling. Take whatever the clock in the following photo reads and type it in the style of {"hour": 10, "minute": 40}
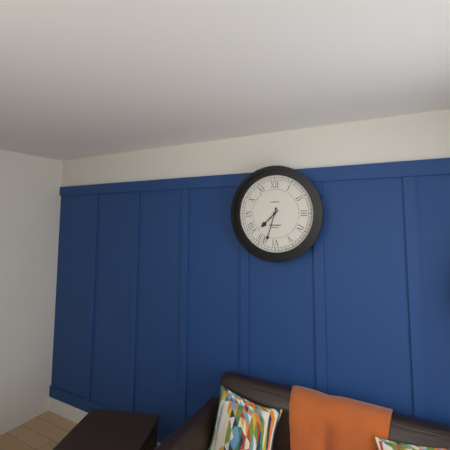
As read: {"hour": 7, "minute": 33}
